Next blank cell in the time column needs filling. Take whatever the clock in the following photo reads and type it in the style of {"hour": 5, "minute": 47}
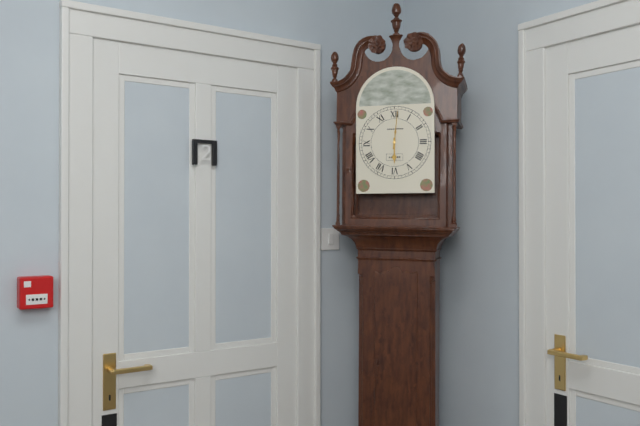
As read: {"hour": 6, "minute": 1}
